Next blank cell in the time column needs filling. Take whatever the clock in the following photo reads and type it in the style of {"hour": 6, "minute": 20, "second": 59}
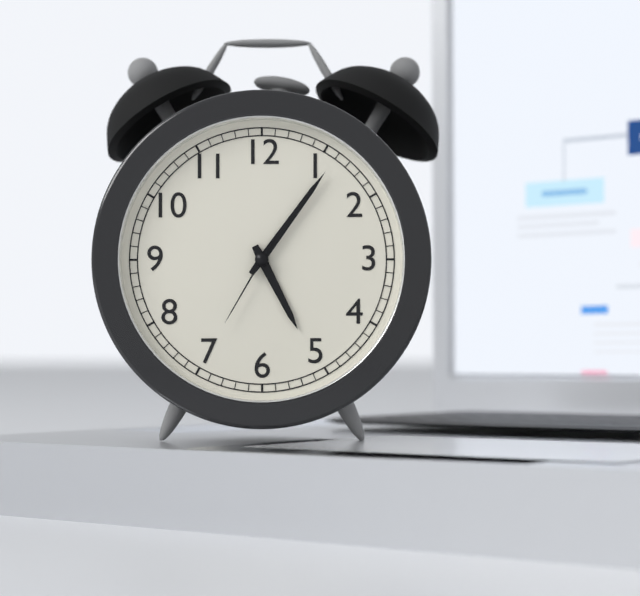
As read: {"hour": 5, "minute": 6, "second": 35}
